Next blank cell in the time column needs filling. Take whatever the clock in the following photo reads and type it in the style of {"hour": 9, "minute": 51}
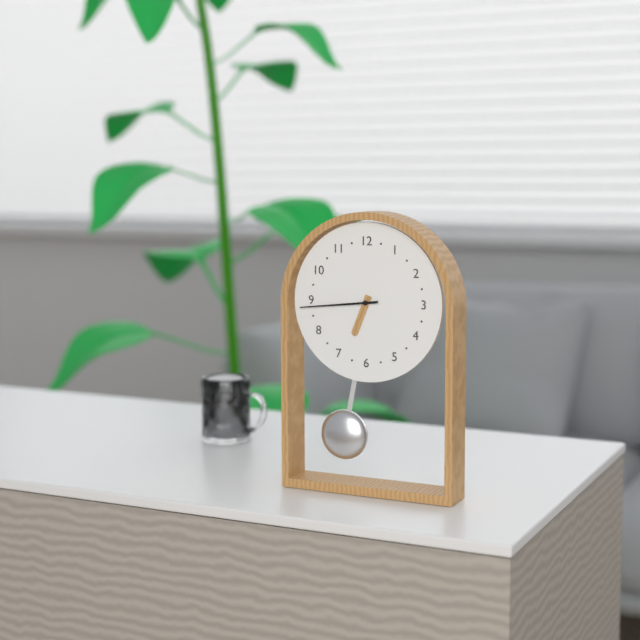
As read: {"hour": 6, "minute": 44}
